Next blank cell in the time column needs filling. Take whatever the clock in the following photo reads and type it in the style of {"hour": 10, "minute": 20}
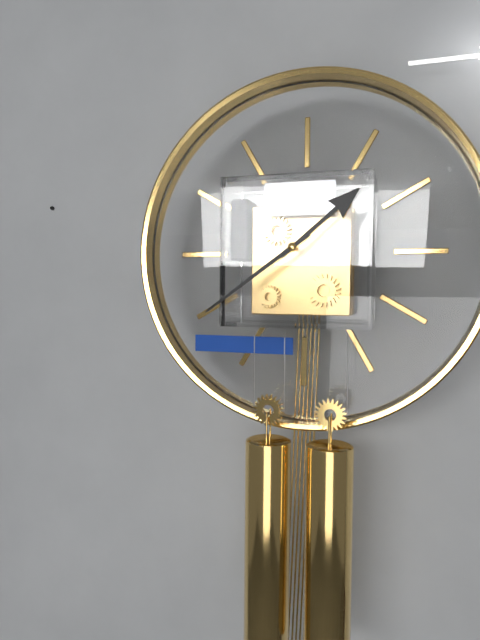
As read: {"hour": 1, "minute": 39}
